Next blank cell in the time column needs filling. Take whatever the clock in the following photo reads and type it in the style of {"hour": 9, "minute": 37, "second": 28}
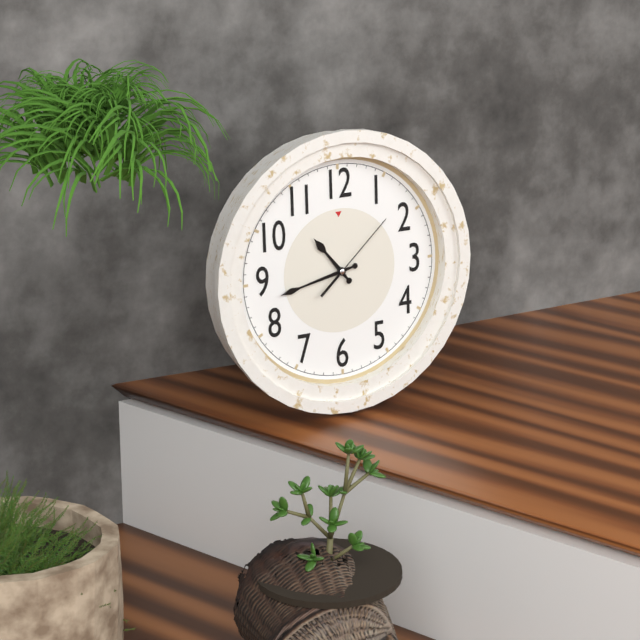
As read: {"hour": 10, "minute": 43, "second": 8}
